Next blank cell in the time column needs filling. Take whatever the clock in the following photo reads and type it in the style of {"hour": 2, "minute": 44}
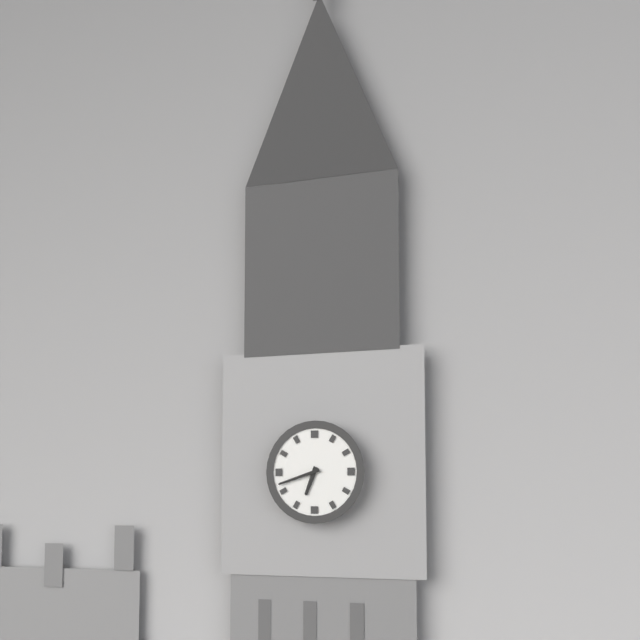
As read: {"hour": 6, "minute": 42}
